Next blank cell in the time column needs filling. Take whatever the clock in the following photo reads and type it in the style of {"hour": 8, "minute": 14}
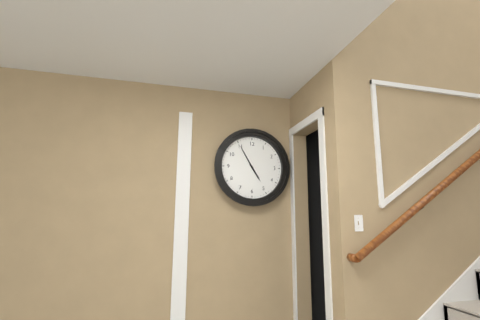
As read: {"hour": 4, "minute": 55}
